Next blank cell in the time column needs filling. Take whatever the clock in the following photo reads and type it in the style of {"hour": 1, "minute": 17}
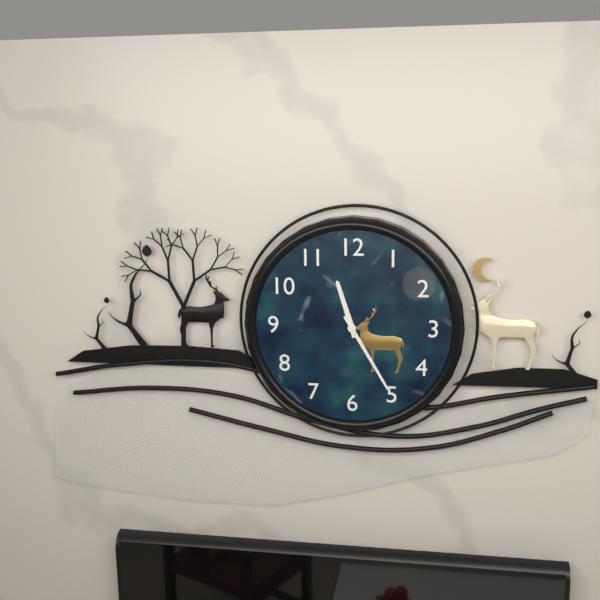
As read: {"hour": 11, "minute": 25}
